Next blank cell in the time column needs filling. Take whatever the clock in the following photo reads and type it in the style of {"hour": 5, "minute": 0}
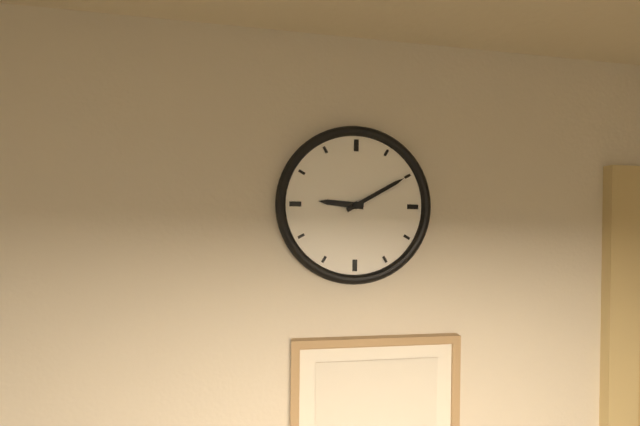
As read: {"hour": 9, "minute": 10}
